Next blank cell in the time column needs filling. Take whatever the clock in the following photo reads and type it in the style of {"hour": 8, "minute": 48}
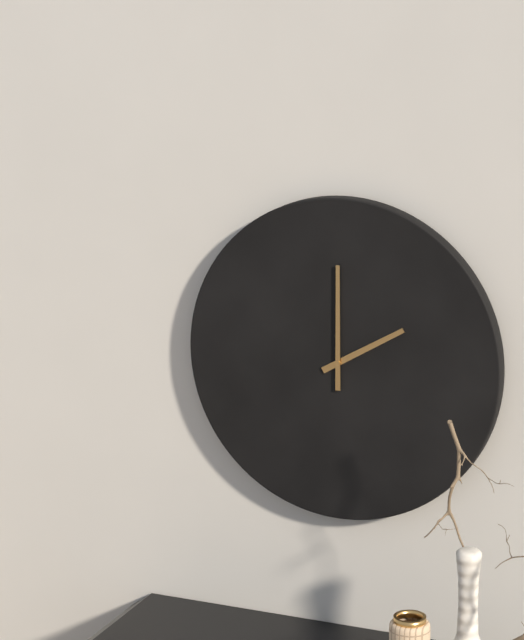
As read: {"hour": 2, "minute": 0}
